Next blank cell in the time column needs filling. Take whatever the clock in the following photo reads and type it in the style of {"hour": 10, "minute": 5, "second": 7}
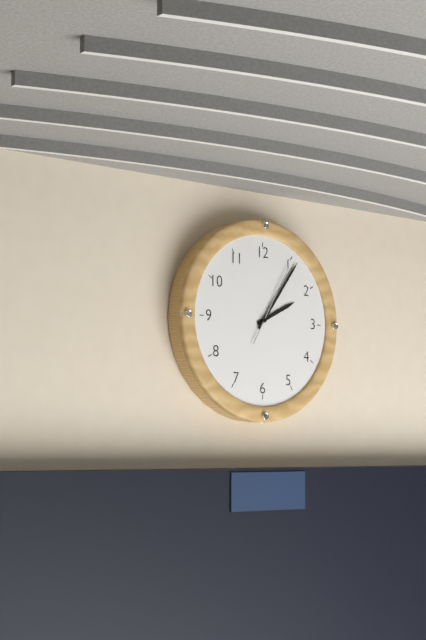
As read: {"hour": 2, "minute": 6, "second": 5}
